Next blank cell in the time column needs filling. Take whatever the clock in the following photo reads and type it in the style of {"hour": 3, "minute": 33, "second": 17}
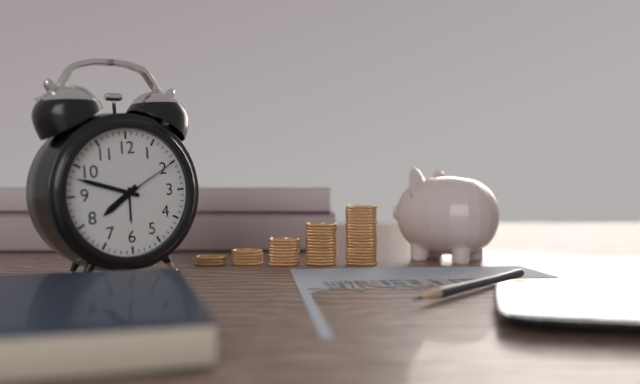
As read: {"hour": 7, "minute": 48, "second": 10}
